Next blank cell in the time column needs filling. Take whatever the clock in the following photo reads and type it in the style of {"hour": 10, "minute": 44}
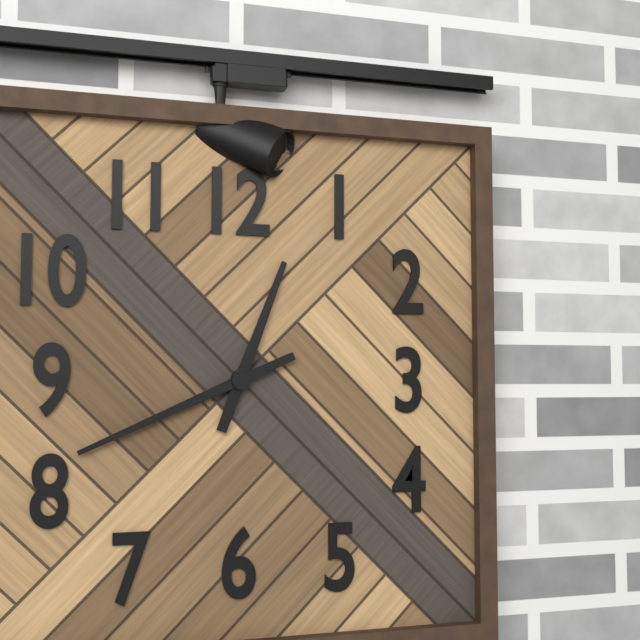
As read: {"hour": 12, "minute": 41}
